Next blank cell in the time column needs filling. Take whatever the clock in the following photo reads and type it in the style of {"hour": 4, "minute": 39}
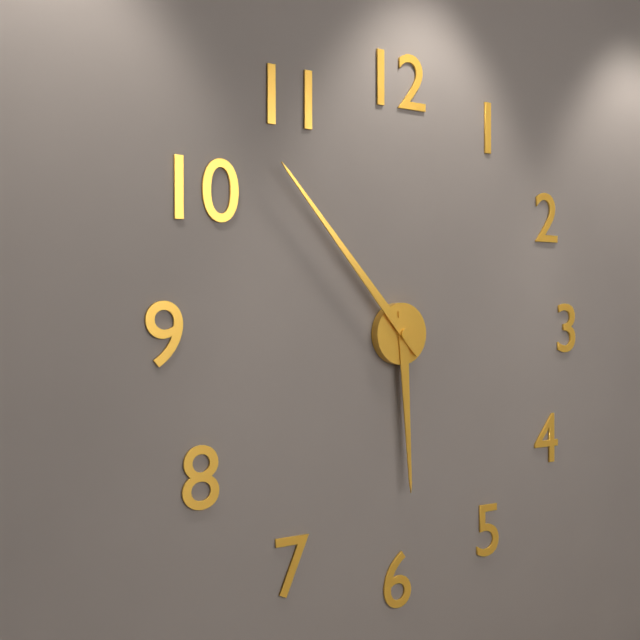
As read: {"hour": 5, "minute": 53}
